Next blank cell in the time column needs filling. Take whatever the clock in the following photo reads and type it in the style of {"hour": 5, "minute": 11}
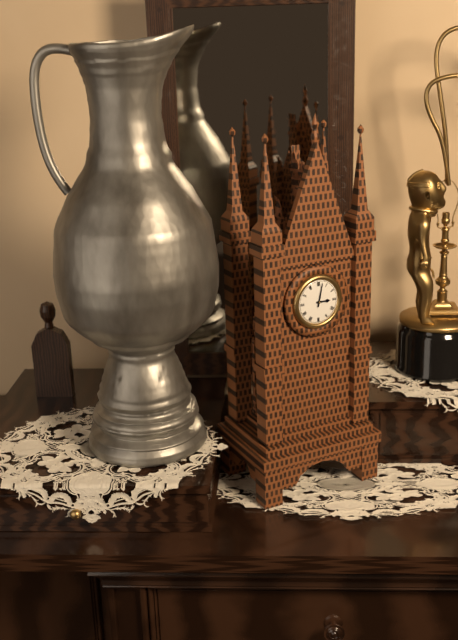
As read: {"hour": 3, "minute": 2}
